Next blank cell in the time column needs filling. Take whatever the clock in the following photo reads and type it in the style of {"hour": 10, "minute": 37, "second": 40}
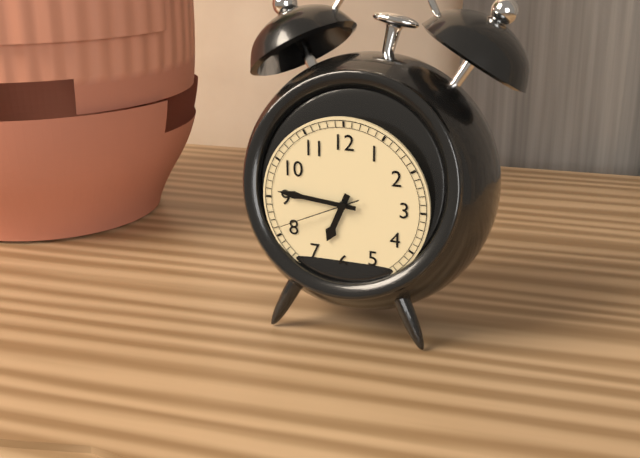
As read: {"hour": 6, "minute": 46, "second": 41}
